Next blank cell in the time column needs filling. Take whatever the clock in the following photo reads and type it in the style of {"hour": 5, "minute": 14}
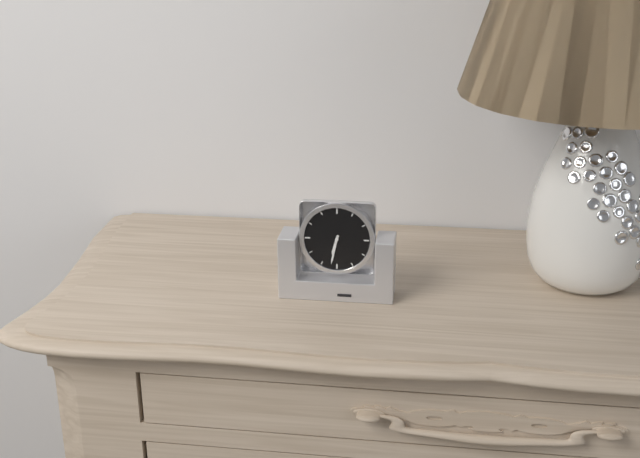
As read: {"hour": 6, "minute": 32}
